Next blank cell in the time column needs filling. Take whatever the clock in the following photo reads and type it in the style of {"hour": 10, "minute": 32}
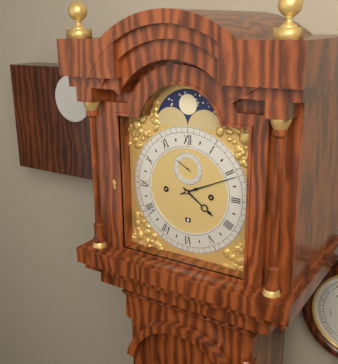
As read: {"hour": 4, "minute": 11}
